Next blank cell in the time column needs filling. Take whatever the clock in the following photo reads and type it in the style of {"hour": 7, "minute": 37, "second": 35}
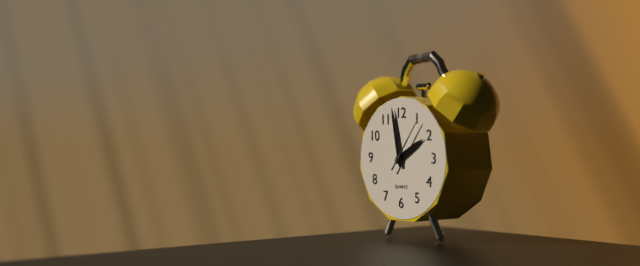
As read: {"hour": 1, "minute": 58, "second": 6}
